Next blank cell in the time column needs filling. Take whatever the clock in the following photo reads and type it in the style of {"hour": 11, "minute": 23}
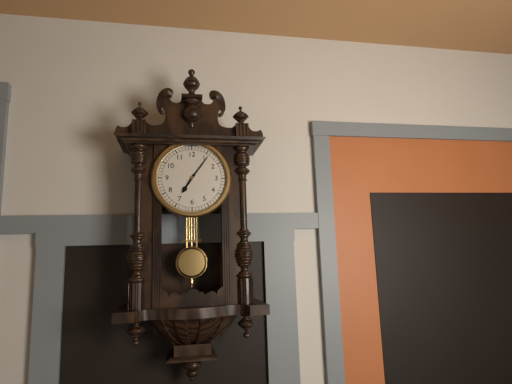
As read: {"hour": 7, "minute": 6}
